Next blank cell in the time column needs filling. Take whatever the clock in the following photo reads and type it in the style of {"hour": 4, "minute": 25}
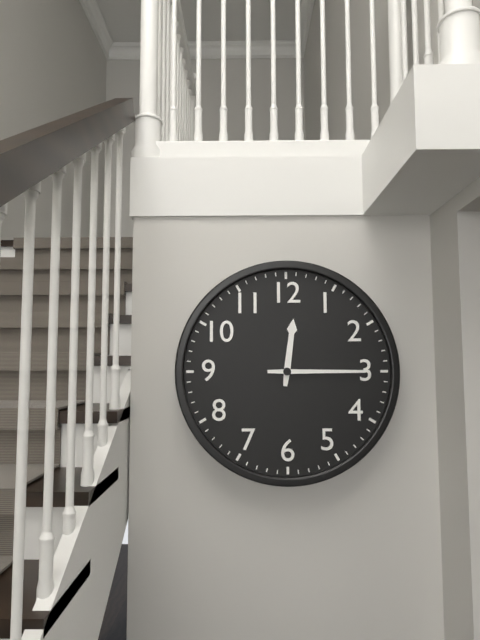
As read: {"hour": 12, "minute": 15}
